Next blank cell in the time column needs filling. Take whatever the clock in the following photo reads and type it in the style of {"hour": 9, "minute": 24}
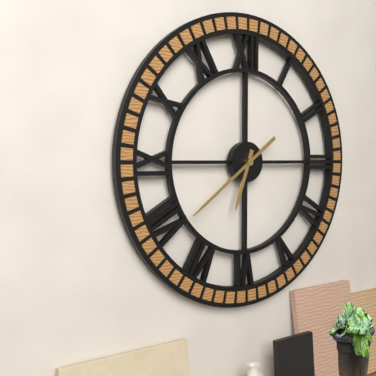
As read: {"hour": 6, "minute": 39}
